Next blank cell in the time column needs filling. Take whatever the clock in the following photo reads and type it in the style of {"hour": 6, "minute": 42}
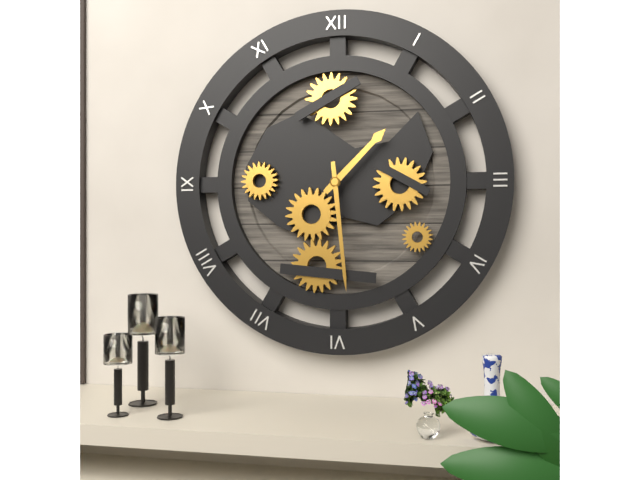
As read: {"hour": 1, "minute": 29}
